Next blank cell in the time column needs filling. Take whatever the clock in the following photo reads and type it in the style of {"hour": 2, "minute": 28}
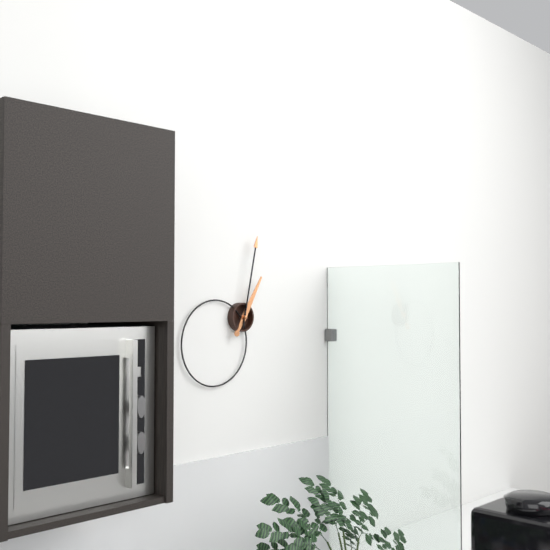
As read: {"hour": 1, "minute": 2}
